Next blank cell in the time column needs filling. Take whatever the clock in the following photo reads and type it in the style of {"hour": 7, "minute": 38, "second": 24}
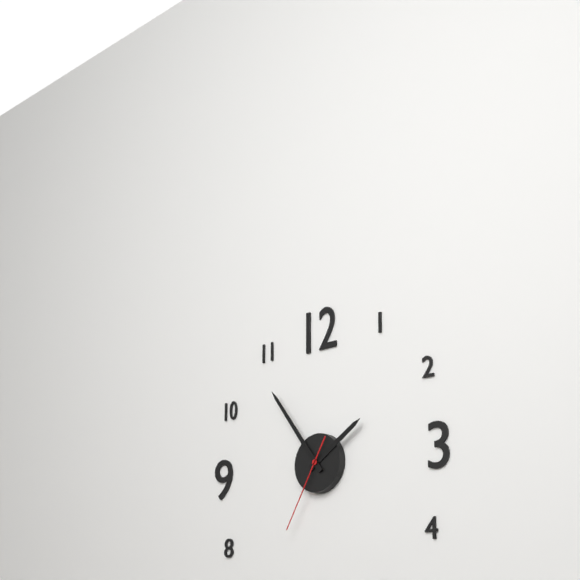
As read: {"hour": 1, "minute": 54, "second": 35}
